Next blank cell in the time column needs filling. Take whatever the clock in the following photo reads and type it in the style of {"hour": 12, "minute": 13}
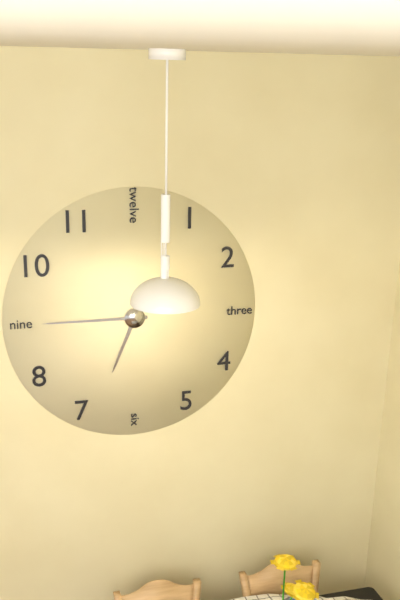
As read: {"hour": 6, "minute": 45}
